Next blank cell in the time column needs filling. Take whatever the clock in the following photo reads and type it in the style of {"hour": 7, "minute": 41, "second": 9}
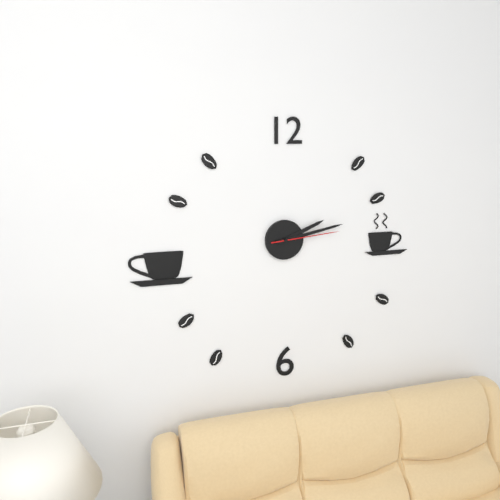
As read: {"hour": 2, "minute": 13, "second": 14}
